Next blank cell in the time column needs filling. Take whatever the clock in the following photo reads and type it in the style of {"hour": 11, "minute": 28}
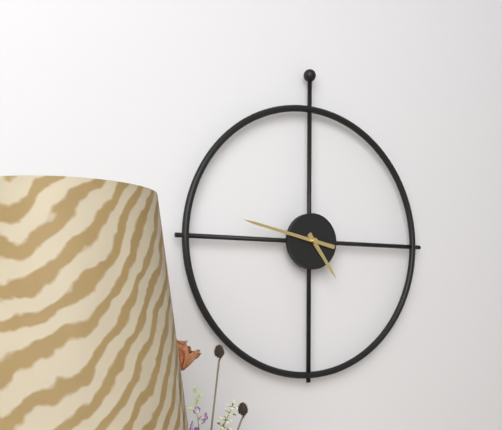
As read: {"hour": 4, "minute": 47}
